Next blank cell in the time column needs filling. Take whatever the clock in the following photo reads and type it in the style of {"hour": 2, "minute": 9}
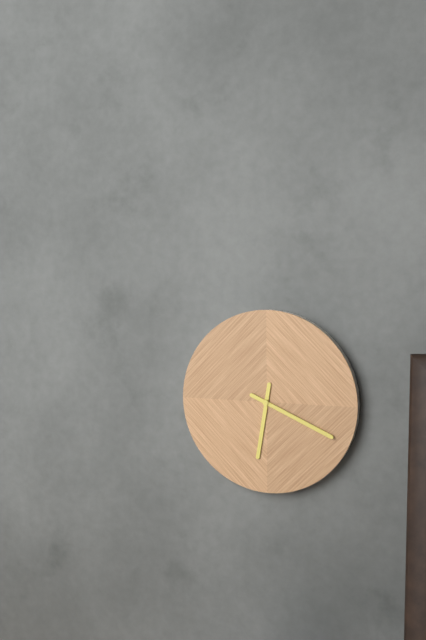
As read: {"hour": 6, "minute": 19}
